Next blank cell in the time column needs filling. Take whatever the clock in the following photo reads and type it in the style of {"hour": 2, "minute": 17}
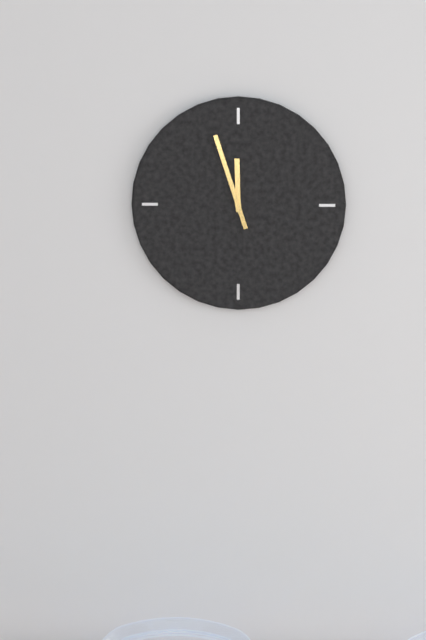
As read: {"hour": 11, "minute": 57}
